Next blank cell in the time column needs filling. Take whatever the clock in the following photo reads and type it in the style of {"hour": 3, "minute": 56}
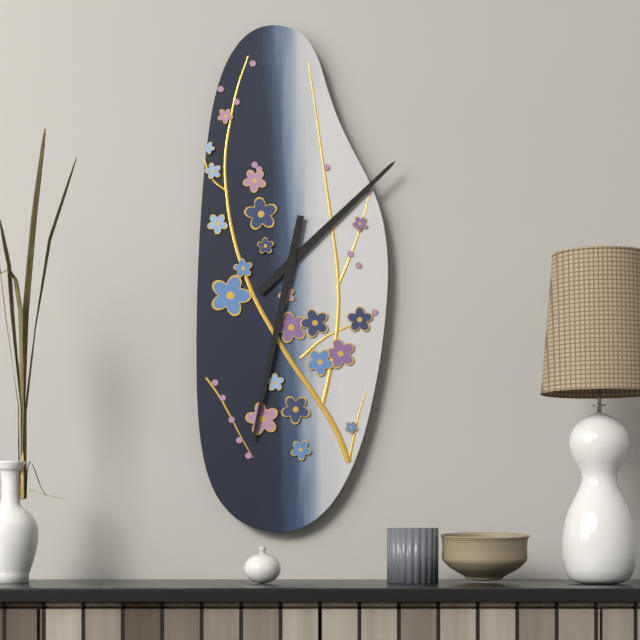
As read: {"hour": 1, "minute": 32}
